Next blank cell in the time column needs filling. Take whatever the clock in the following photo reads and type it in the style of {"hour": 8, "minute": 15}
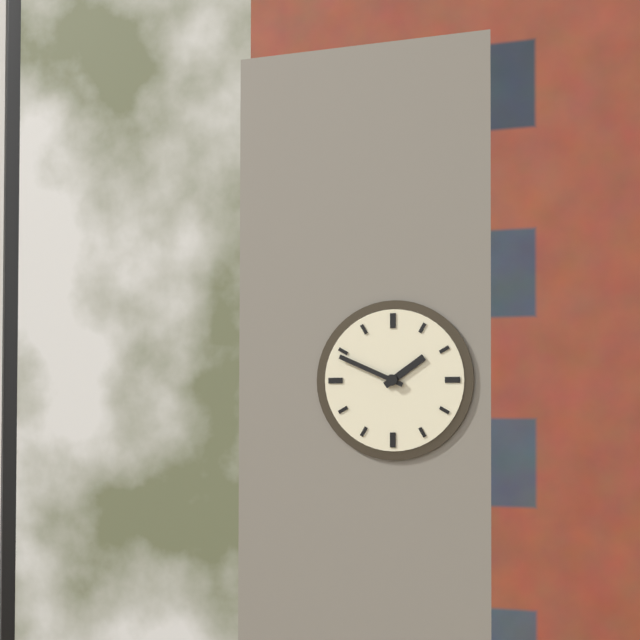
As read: {"hour": 1, "minute": 49}
